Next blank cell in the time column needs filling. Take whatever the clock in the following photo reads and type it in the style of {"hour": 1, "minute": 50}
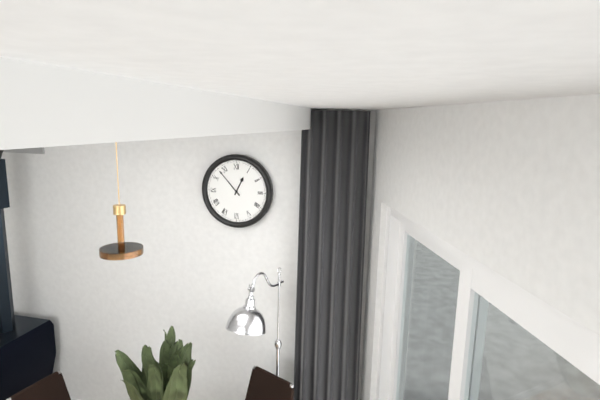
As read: {"hour": 12, "minute": 53}
